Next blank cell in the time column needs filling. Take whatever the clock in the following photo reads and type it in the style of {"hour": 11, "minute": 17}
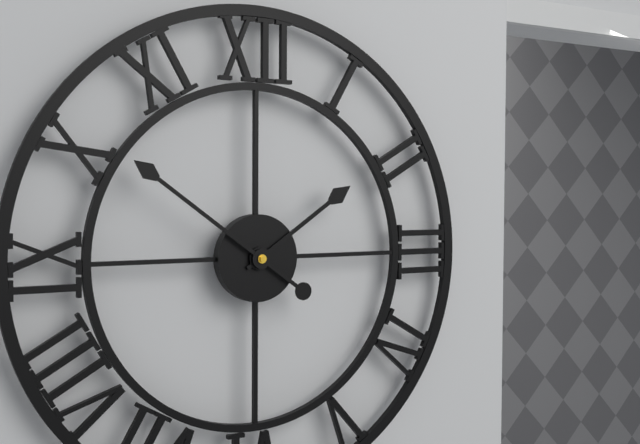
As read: {"hour": 1, "minute": 51}
